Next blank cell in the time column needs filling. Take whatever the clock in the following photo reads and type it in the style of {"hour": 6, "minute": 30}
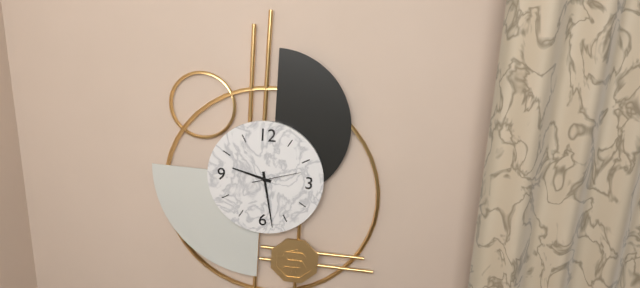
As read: {"hour": 9, "minute": 28}
